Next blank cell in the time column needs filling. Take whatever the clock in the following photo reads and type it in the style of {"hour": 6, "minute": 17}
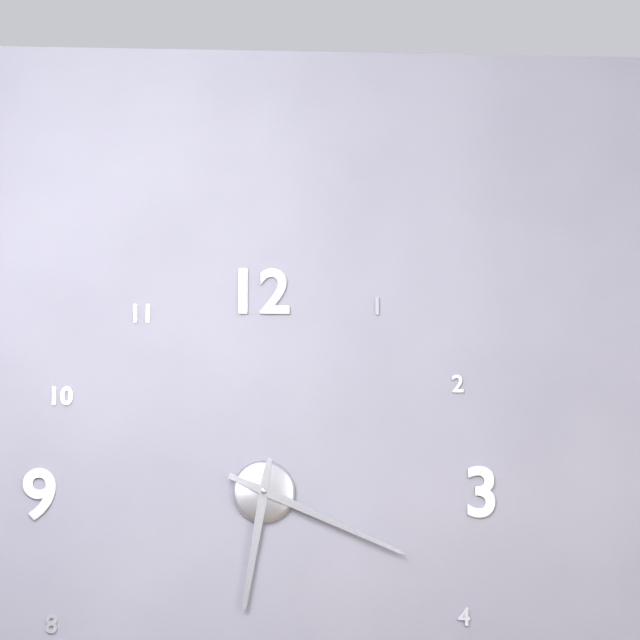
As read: {"hour": 6, "minute": 19}
